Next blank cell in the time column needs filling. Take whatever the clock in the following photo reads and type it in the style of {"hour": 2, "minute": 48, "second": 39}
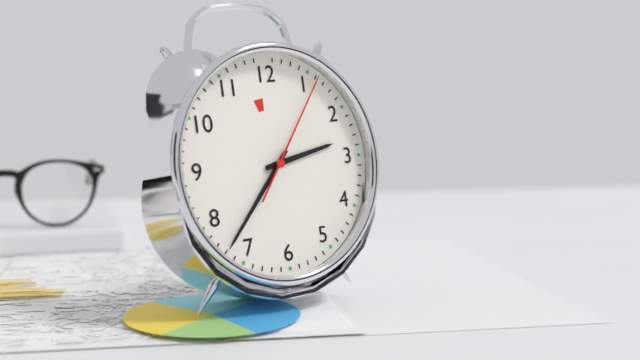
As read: {"hour": 2, "minute": 37, "second": 6}
